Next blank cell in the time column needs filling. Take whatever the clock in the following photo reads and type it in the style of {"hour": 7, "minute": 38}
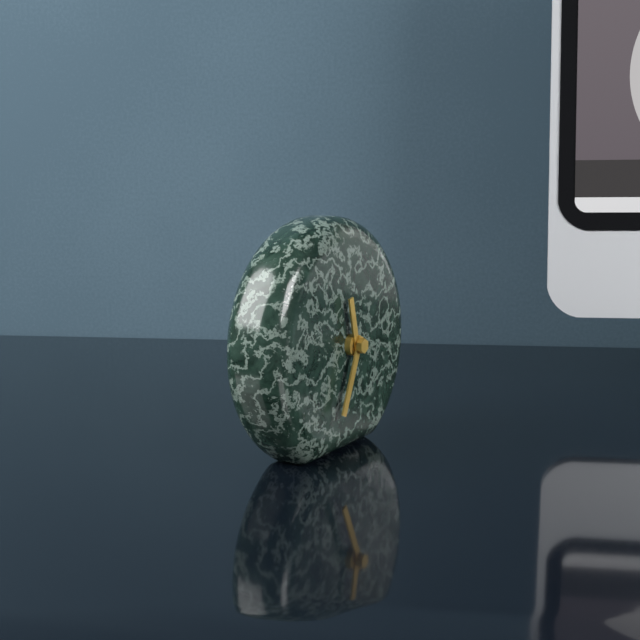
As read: {"hour": 11, "minute": 34}
